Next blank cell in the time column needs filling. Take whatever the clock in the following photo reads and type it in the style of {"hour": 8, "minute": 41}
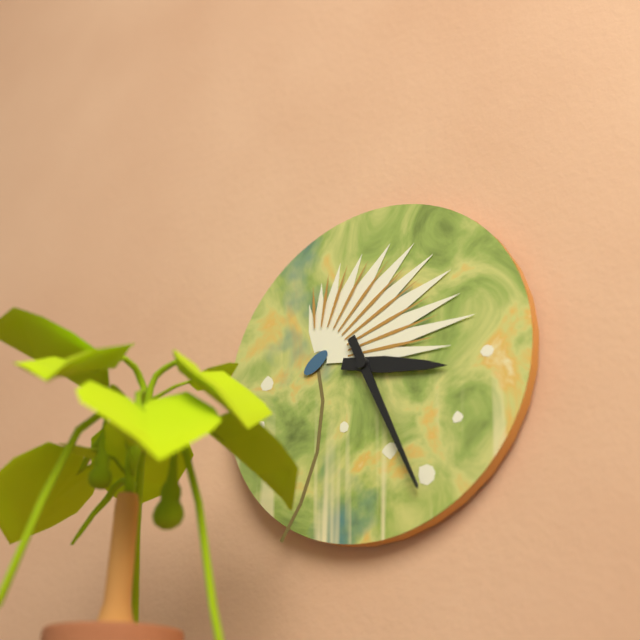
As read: {"hour": 3, "minute": 26}
